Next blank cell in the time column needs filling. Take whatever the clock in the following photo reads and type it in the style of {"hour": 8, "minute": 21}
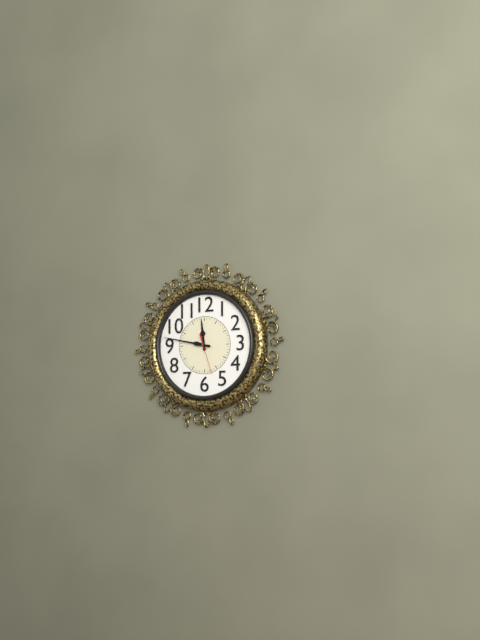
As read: {"hour": 11, "minute": 47}
